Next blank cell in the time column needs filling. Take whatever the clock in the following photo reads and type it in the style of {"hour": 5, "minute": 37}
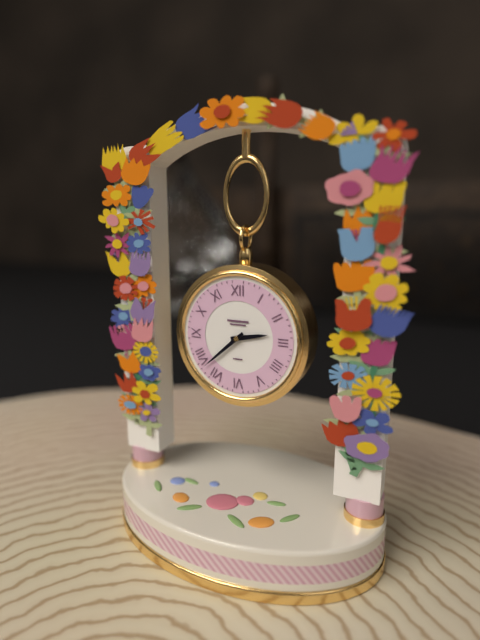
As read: {"hour": 2, "minute": 38}
